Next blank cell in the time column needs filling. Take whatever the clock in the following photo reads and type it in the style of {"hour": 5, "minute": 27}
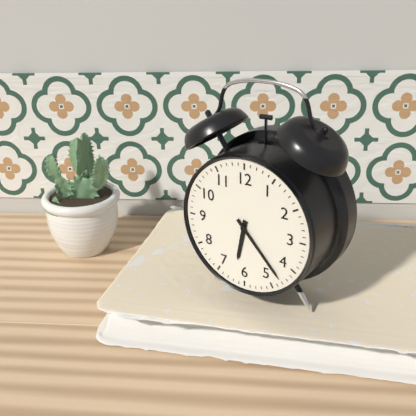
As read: {"hour": 6, "minute": 23}
